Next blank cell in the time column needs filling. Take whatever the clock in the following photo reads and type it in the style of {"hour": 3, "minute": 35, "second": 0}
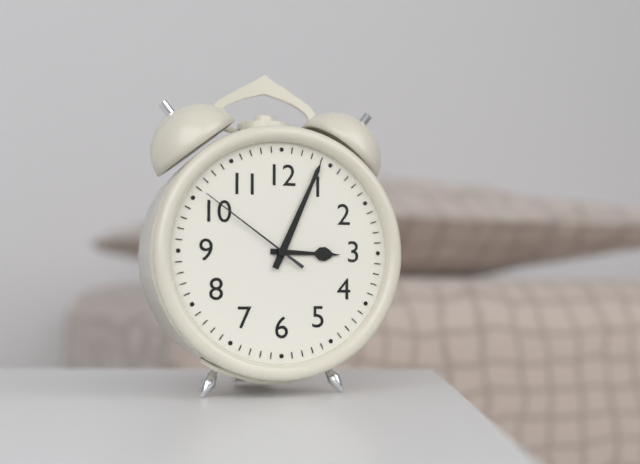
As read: {"hour": 3, "minute": 4, "second": 51}
